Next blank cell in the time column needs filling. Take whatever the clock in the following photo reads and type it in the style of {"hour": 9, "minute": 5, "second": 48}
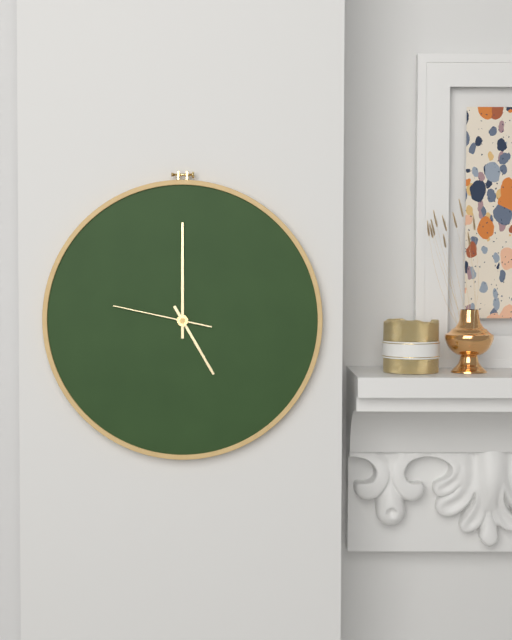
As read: {"hour": 5, "minute": 0, "second": 47}
